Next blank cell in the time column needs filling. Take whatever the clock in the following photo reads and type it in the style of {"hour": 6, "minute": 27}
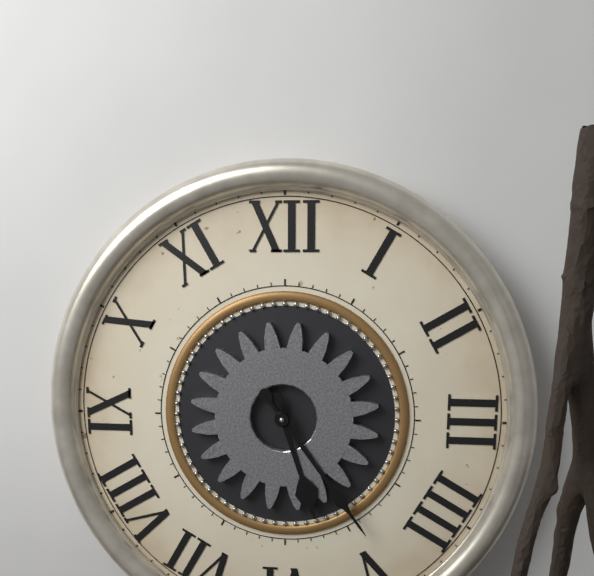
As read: {"hour": 5, "minute": 24}
